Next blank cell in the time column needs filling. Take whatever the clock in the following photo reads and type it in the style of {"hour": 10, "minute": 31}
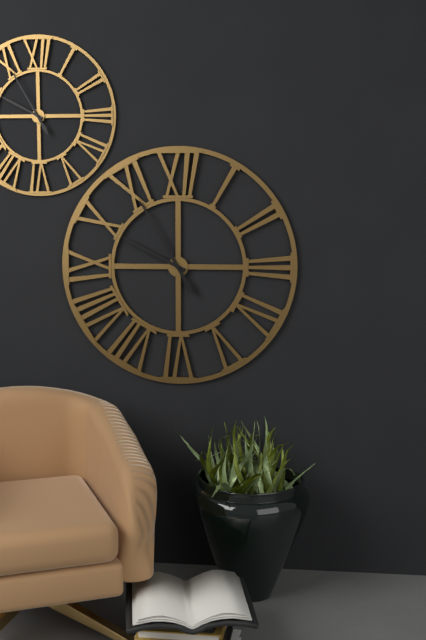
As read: {"hour": 9, "minute": 55}
